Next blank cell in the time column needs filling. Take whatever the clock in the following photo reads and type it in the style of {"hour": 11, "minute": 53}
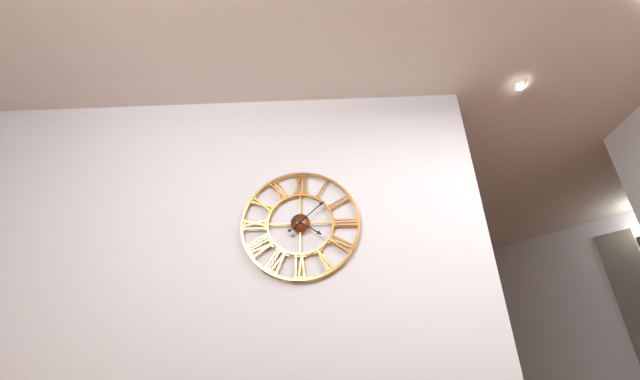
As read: {"hour": 4, "minute": 8}
